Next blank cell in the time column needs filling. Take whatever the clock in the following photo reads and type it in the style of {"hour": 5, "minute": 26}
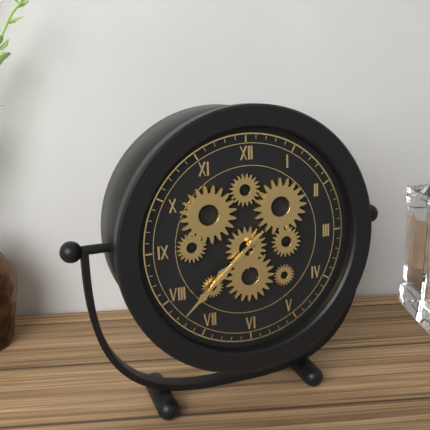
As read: {"hour": 7, "minute": 38}
